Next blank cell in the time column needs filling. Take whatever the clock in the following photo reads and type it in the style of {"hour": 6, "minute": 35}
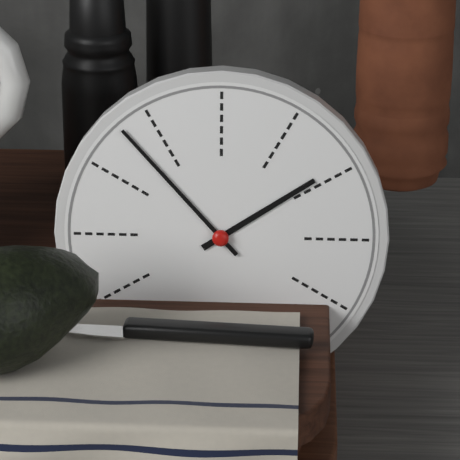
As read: {"hour": 1, "minute": 53}
